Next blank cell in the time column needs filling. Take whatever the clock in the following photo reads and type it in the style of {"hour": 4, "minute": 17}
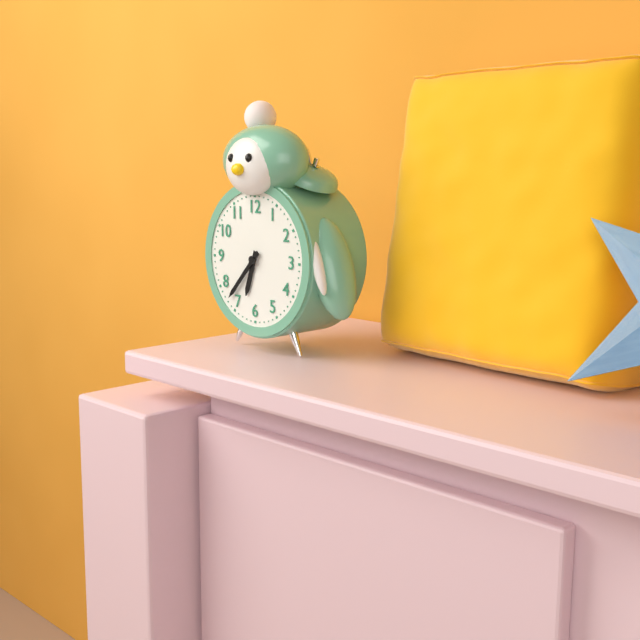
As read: {"hour": 6, "minute": 37}
